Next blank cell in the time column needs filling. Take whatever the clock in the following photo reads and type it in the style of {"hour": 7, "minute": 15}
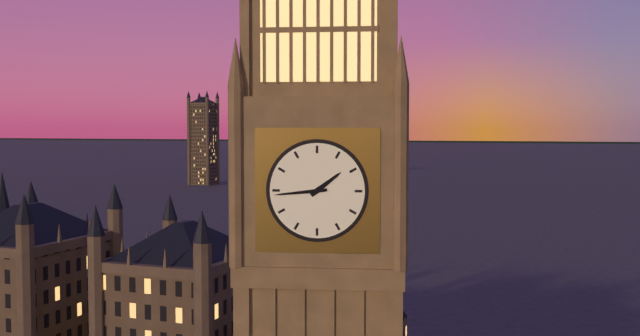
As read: {"hour": 1, "minute": 44}
